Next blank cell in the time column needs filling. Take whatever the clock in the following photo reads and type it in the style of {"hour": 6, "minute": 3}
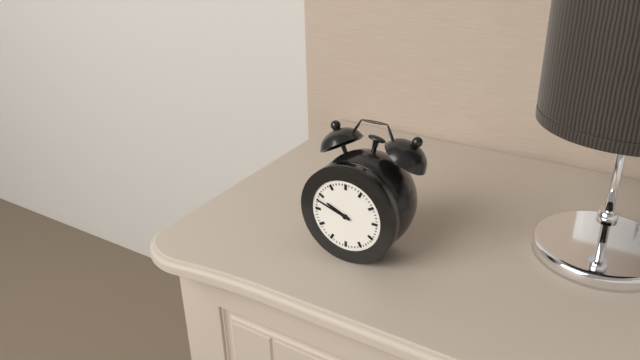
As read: {"hour": 9, "minute": 48}
